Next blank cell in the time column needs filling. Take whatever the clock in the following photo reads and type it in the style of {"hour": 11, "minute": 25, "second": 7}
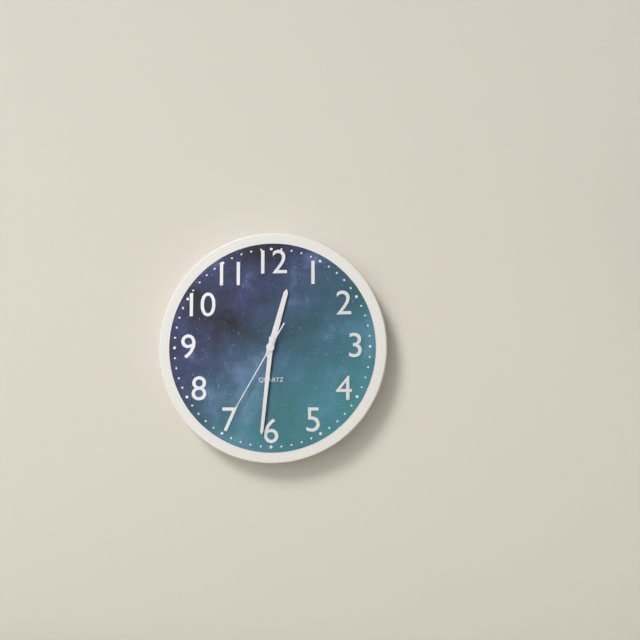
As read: {"hour": 12, "minute": 31, "second": 35}
